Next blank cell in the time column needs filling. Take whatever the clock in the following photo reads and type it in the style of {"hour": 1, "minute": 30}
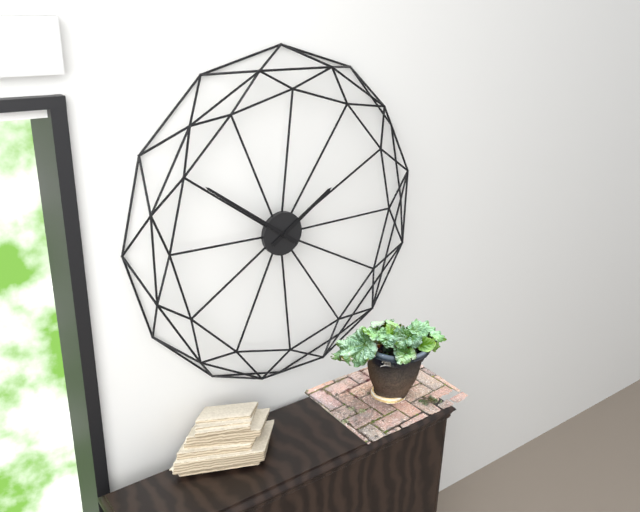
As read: {"hour": 1, "minute": 51}
